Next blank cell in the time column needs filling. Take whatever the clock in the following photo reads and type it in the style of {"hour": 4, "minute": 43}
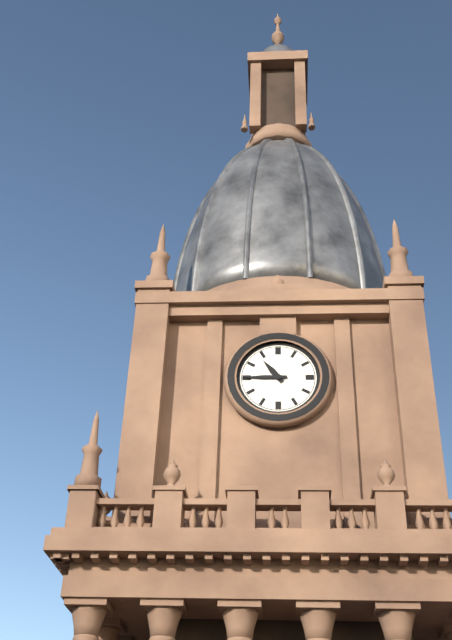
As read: {"hour": 10, "minute": 45}
